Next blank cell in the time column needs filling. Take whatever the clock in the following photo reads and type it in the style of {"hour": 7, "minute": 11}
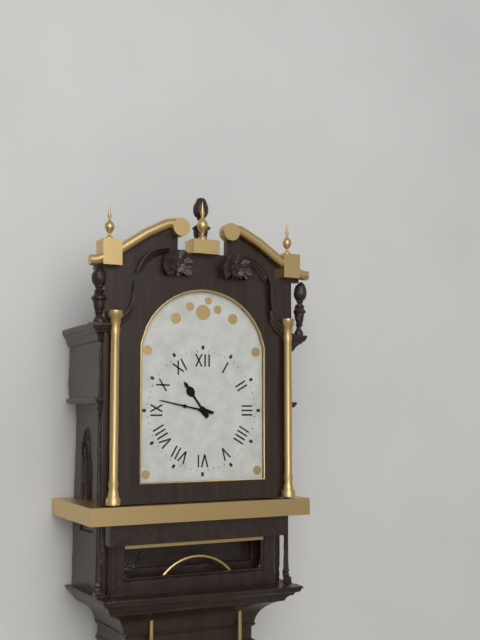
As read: {"hour": 10, "minute": 47}
